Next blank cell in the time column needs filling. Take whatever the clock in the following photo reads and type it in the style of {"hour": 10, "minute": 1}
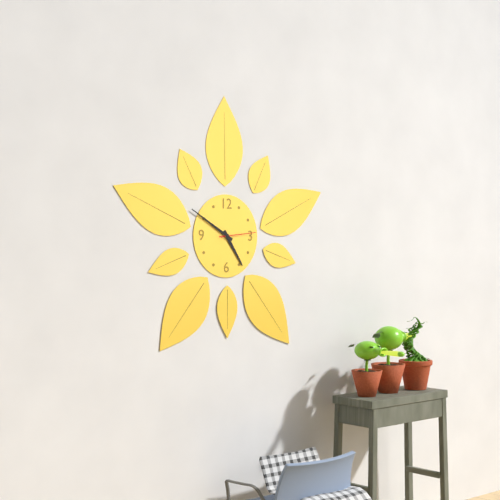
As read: {"hour": 4, "minute": 50}
